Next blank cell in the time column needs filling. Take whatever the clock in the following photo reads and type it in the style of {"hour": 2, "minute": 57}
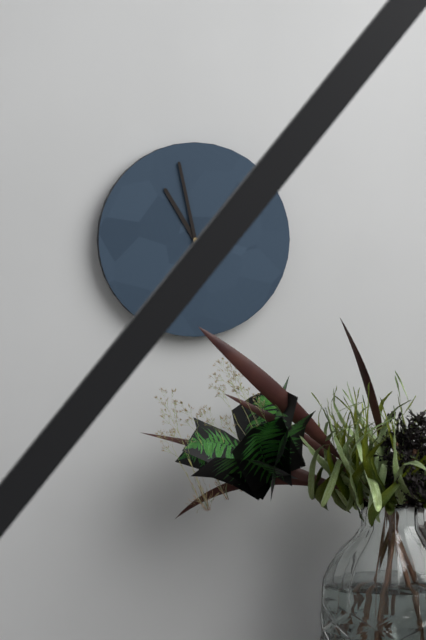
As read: {"hour": 10, "minute": 58}
